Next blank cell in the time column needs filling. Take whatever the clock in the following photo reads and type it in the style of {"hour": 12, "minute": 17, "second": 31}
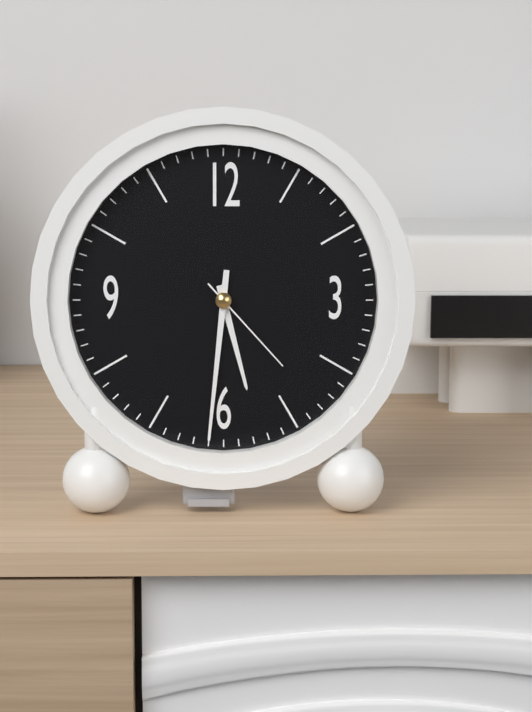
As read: {"hour": 5, "minute": 31, "second": 23}
